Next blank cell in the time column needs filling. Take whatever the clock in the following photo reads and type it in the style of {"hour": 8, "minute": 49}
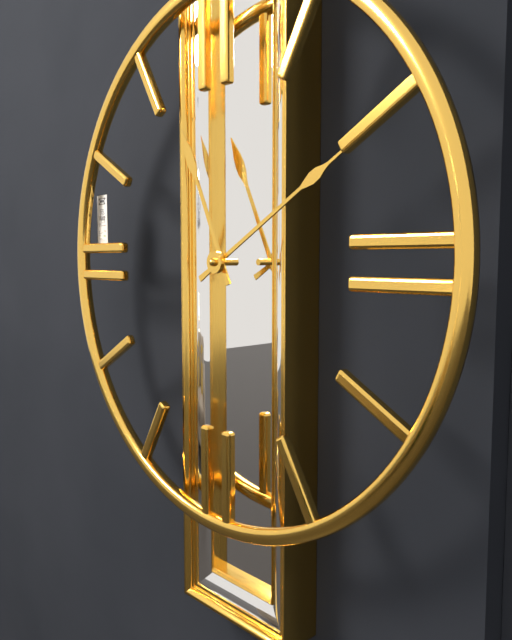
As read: {"hour": 11, "minute": 10}
